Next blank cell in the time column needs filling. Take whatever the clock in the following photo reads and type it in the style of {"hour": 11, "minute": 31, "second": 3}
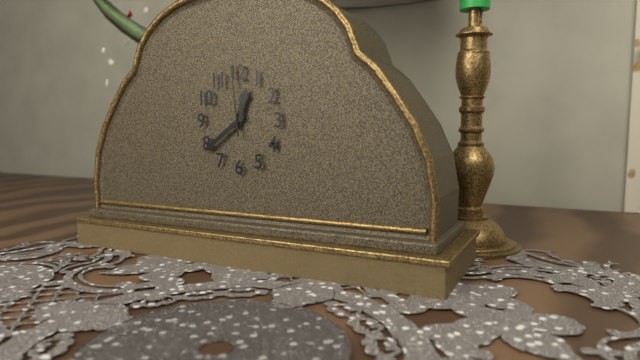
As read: {"hour": 12, "minute": 39, "second": 59}
